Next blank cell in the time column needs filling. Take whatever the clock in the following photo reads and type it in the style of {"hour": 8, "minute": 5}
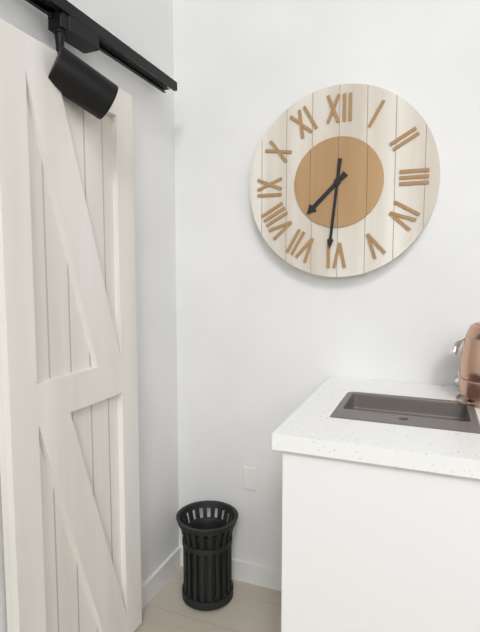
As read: {"hour": 7, "minute": 31}
